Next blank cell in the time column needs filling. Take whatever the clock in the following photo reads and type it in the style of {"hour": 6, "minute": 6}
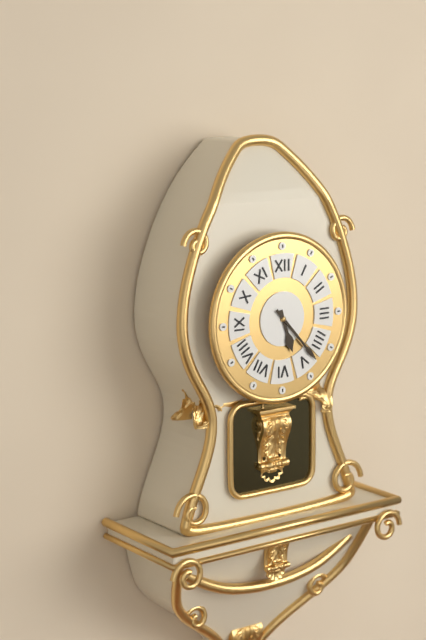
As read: {"hour": 5, "minute": 23}
